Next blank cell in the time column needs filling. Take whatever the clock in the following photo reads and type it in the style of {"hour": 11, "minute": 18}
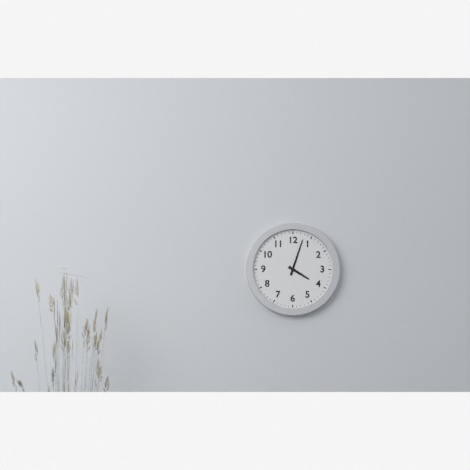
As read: {"hour": 4, "minute": 3}
